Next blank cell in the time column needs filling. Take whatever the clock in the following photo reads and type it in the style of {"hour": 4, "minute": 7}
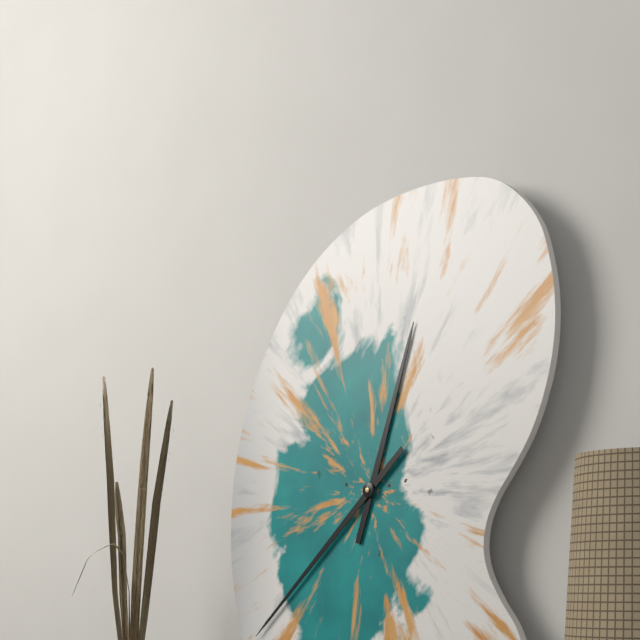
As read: {"hour": 12, "minute": 38}
